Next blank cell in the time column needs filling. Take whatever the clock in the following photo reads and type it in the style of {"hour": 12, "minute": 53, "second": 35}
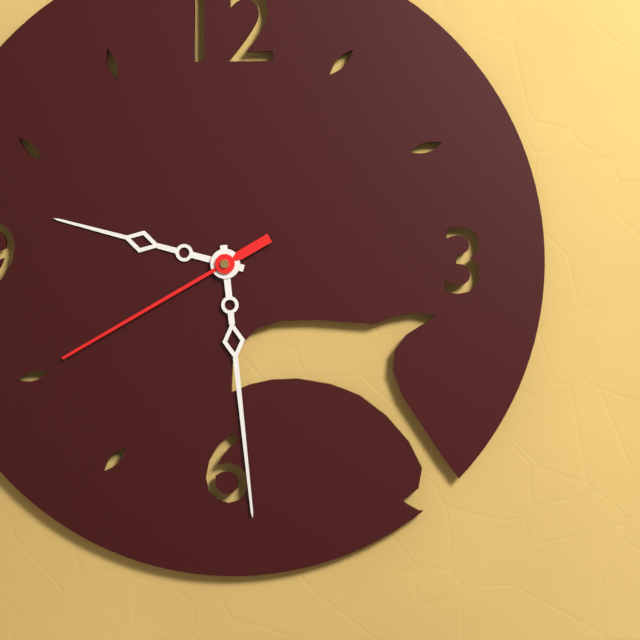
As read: {"hour": 9, "minute": 29, "second": 40}
